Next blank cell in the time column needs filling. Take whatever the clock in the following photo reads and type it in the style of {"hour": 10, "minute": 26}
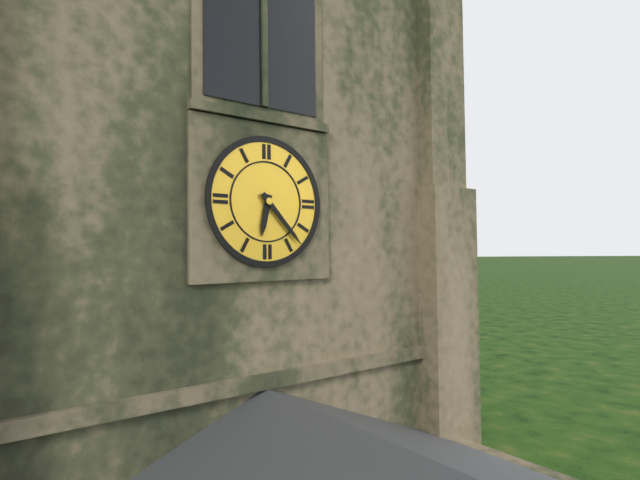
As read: {"hour": 6, "minute": 23}
